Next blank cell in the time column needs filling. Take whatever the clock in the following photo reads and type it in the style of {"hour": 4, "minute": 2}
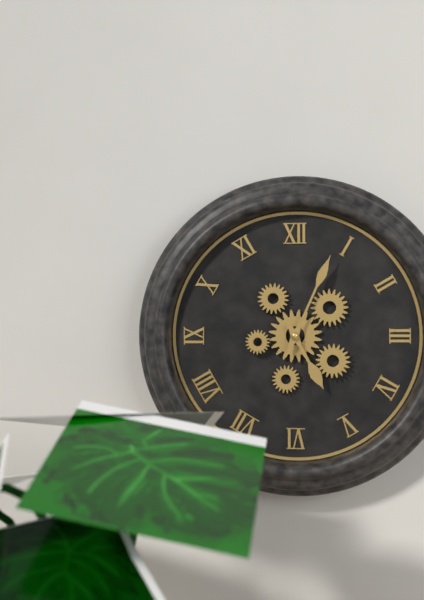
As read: {"hour": 5, "minute": 4}
